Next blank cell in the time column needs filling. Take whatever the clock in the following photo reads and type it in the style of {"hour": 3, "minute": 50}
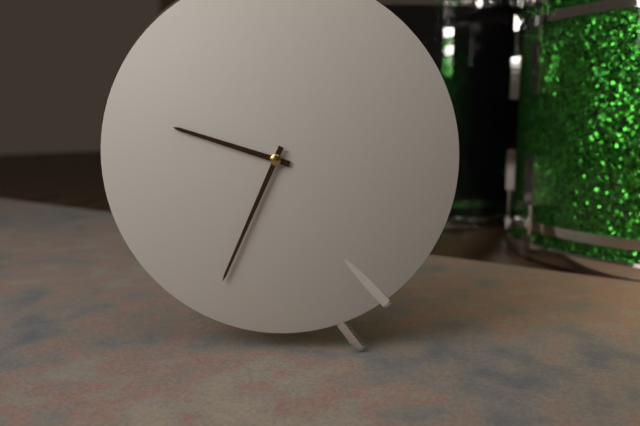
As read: {"hour": 9, "minute": 34}
